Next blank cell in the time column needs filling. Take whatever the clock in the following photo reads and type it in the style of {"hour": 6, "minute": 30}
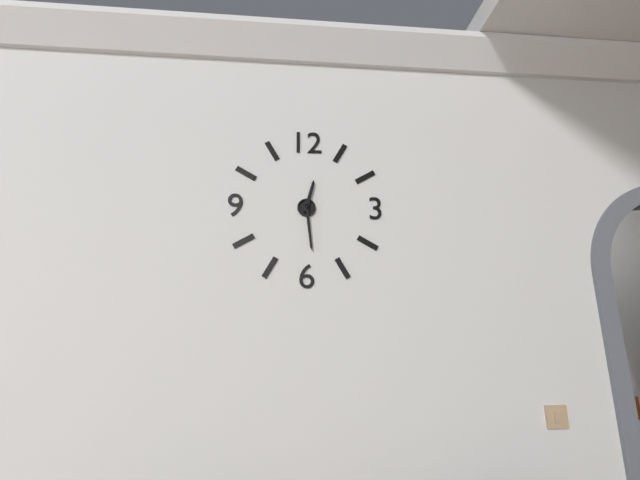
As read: {"hour": 12, "minute": 29}
